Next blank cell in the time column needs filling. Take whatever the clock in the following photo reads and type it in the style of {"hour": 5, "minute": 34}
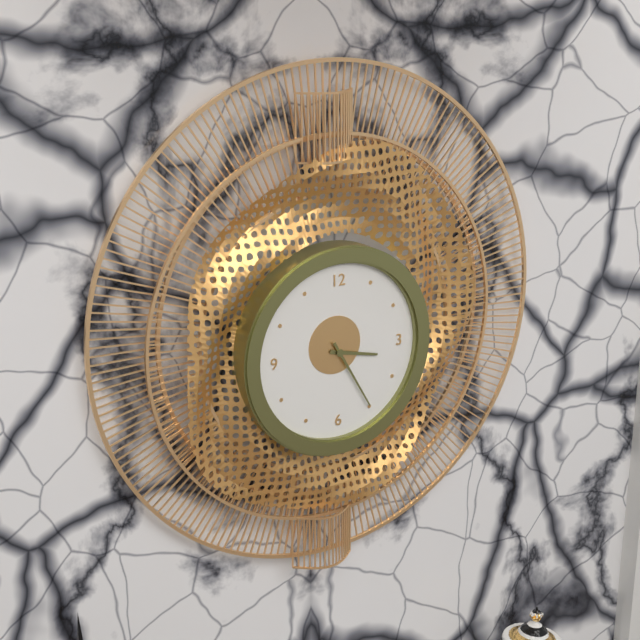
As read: {"hour": 3, "minute": 25}
